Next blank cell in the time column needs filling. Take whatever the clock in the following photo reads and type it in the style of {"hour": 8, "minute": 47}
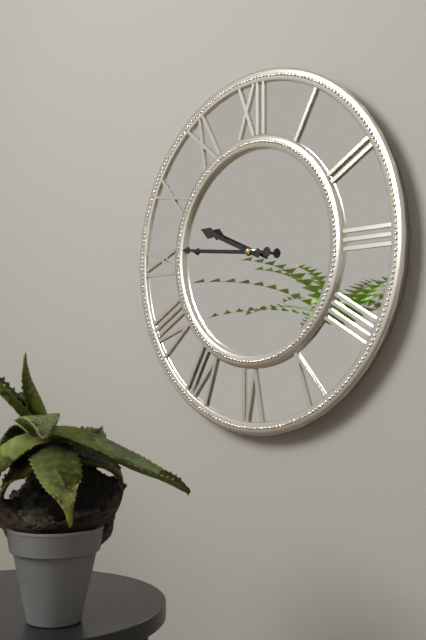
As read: {"hour": 9, "minute": 46}
